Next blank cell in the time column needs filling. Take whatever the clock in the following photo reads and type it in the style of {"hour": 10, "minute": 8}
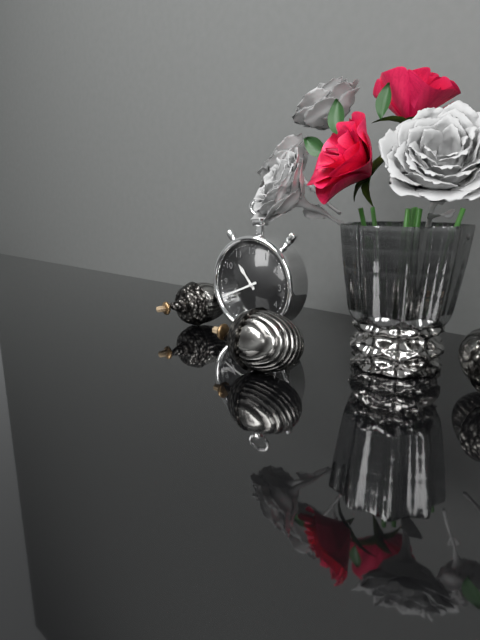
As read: {"hour": 10, "minute": 41}
